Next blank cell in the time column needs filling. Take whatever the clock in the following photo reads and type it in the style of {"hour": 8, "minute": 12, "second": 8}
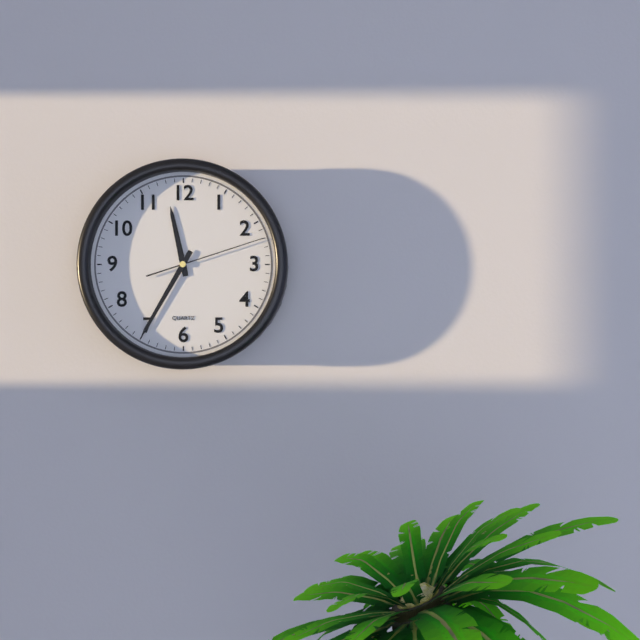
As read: {"hour": 11, "minute": 35, "second": 12}
